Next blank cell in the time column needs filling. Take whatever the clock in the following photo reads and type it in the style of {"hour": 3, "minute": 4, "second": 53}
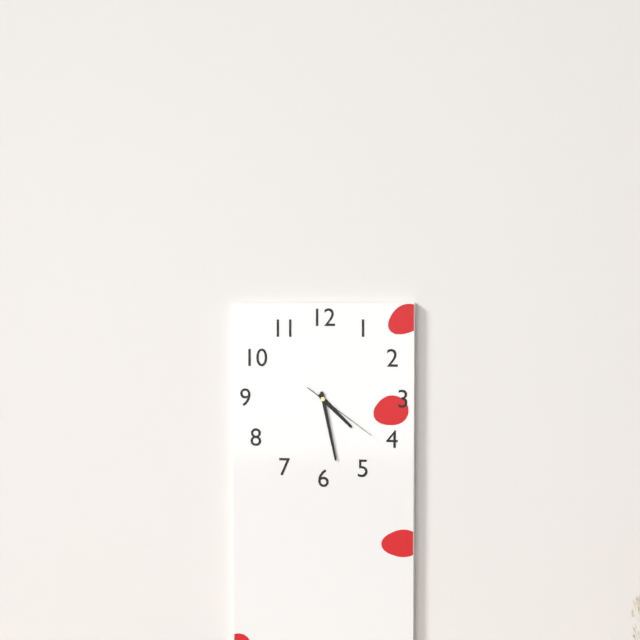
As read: {"hour": 4, "minute": 28, "second": 21}
